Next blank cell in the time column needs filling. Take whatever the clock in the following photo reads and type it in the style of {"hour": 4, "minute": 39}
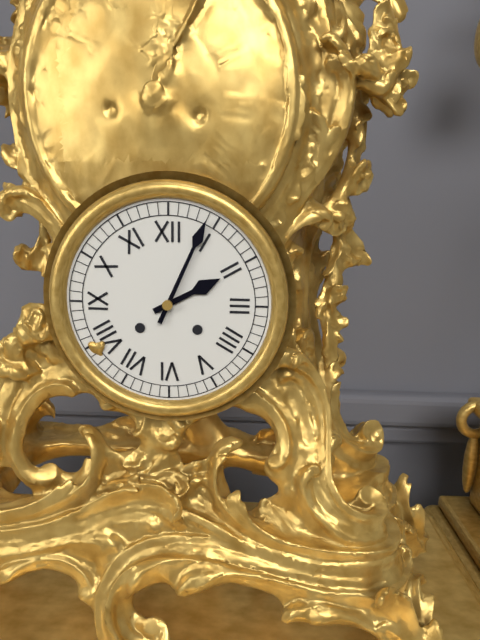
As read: {"hour": 2, "minute": 4}
